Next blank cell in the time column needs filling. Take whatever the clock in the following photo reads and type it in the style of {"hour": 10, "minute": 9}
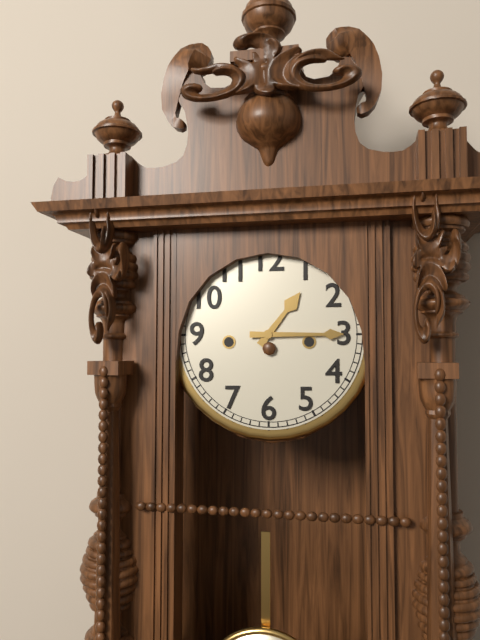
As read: {"hour": 1, "minute": 15}
